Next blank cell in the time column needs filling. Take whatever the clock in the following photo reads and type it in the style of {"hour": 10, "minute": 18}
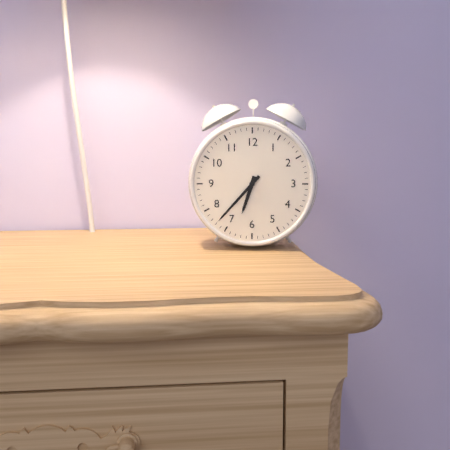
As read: {"hour": 6, "minute": 37}
